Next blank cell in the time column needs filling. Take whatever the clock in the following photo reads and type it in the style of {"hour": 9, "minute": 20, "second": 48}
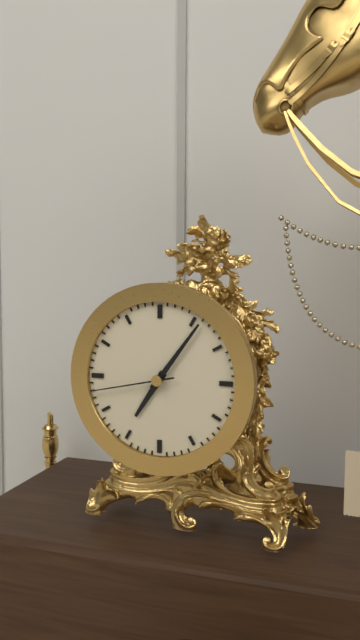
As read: {"hour": 7, "minute": 6, "second": 43}
